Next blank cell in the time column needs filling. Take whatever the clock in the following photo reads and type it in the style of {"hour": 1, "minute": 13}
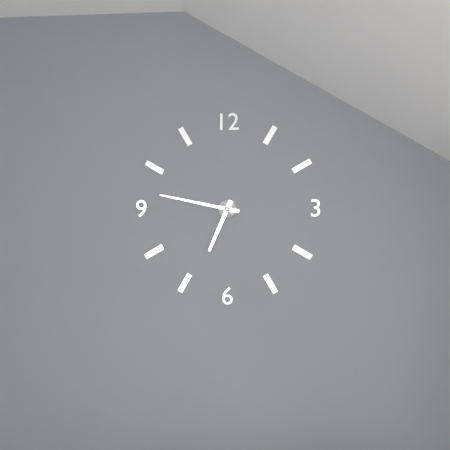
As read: {"hour": 6, "minute": 47}
